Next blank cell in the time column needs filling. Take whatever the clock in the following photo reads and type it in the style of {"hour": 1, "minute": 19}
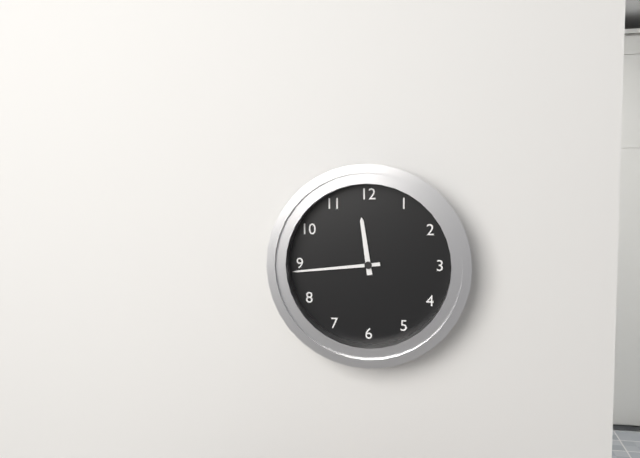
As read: {"hour": 11, "minute": 44}
